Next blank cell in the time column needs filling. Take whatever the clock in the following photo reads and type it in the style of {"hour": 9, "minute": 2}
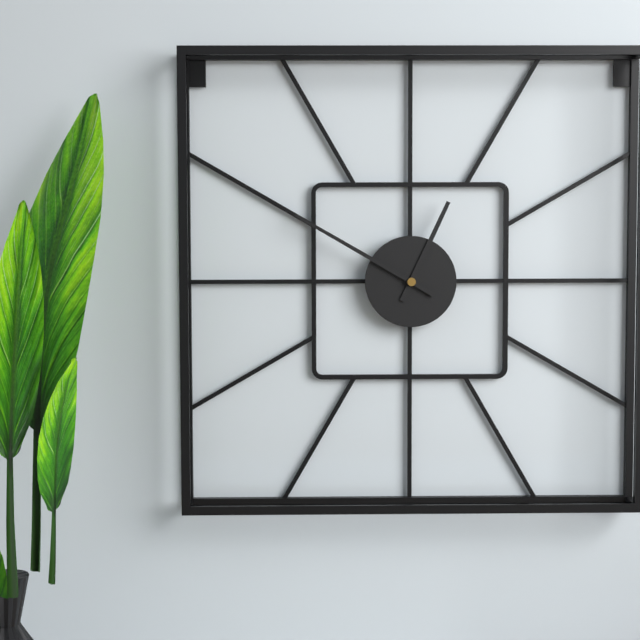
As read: {"hour": 12, "minute": 50}
